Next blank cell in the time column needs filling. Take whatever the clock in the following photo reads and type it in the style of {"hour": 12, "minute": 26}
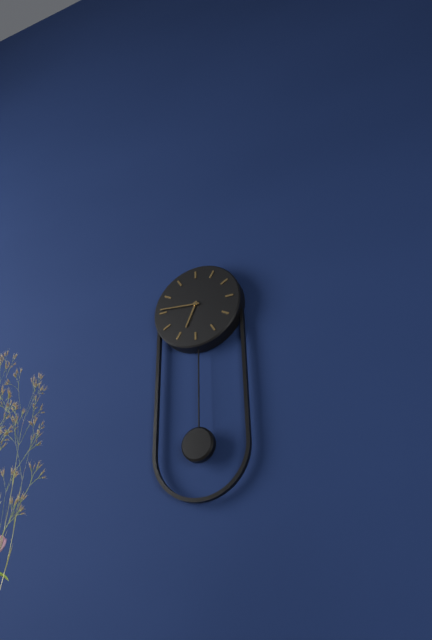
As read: {"hour": 6, "minute": 46}
